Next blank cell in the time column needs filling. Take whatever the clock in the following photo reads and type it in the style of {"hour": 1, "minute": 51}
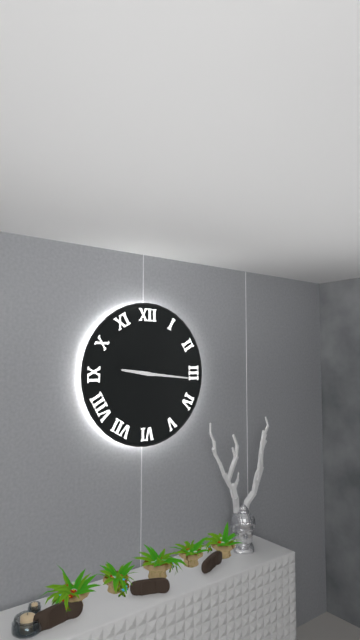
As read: {"hour": 9, "minute": 16}
